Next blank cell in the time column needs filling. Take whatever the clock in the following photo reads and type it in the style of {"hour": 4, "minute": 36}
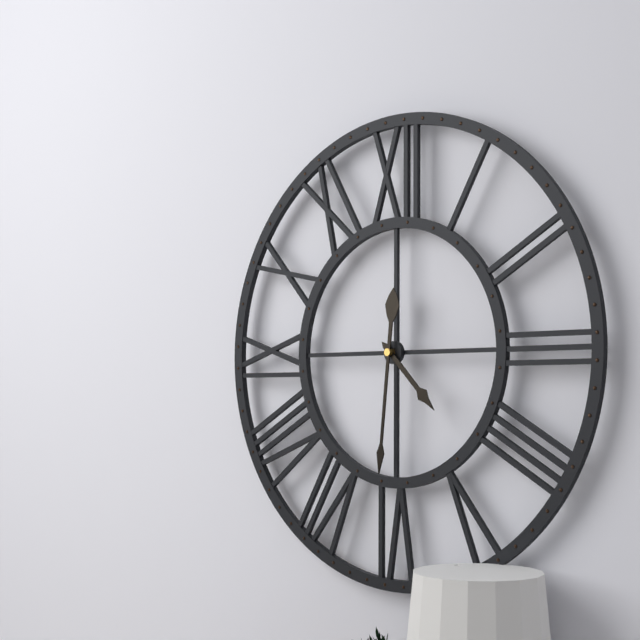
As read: {"hour": 4, "minute": 31}
